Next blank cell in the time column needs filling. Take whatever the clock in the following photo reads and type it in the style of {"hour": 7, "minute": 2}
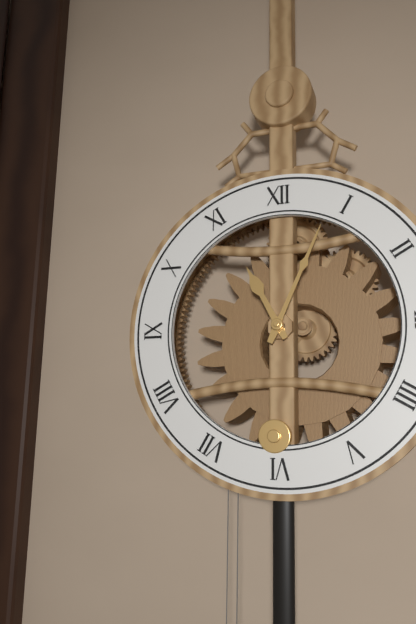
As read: {"hour": 11, "minute": 4}
